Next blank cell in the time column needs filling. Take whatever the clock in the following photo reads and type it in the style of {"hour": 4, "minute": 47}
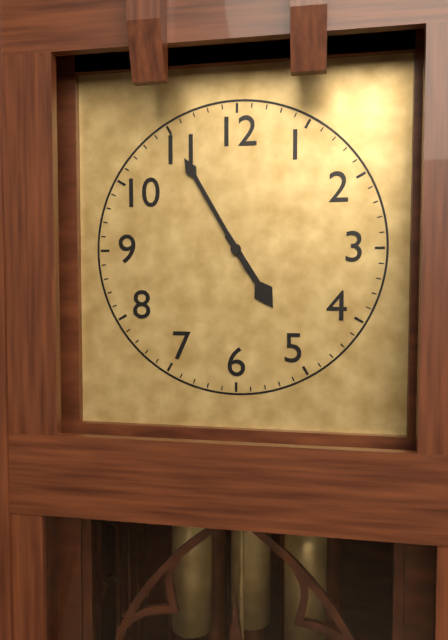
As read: {"hour": 4, "minute": 55}
